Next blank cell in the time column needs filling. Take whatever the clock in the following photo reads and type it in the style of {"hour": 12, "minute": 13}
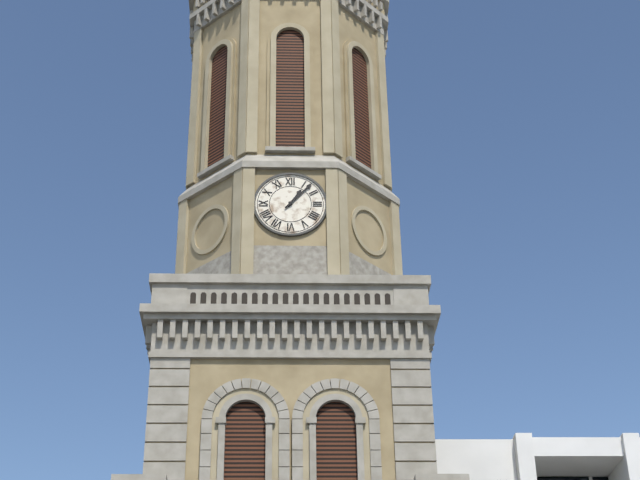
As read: {"hour": 1, "minute": 7}
